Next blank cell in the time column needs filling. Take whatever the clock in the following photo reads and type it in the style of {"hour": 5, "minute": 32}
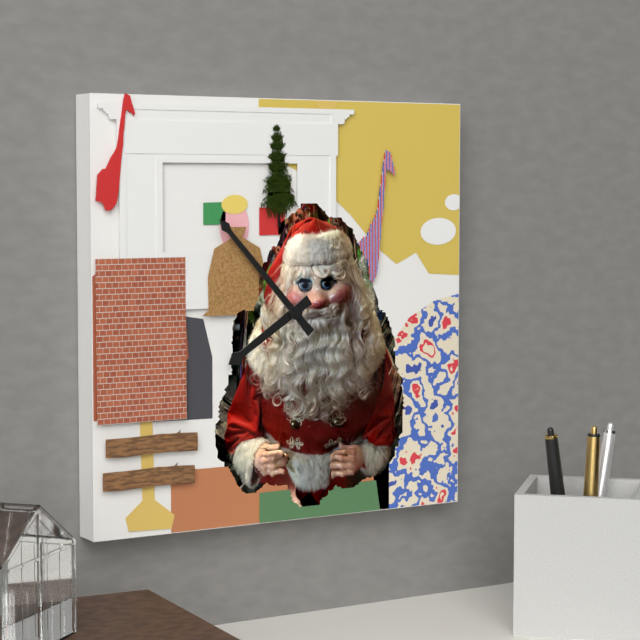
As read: {"hour": 7, "minute": 53}
